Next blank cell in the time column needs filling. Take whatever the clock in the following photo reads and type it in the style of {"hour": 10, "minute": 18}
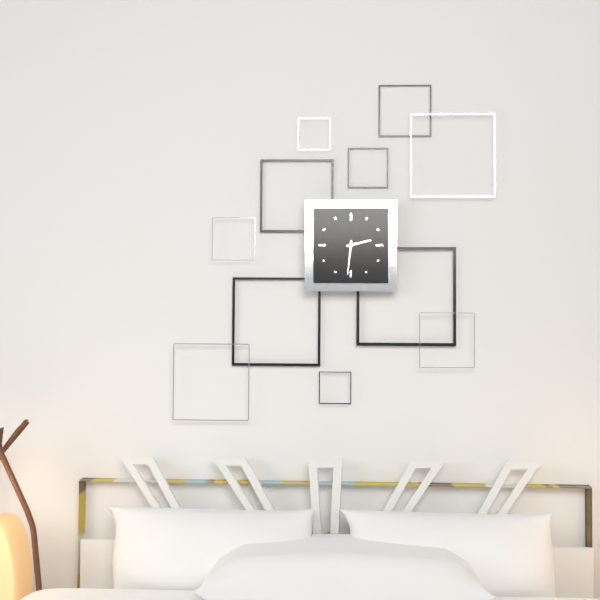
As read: {"hour": 2, "minute": 31}
